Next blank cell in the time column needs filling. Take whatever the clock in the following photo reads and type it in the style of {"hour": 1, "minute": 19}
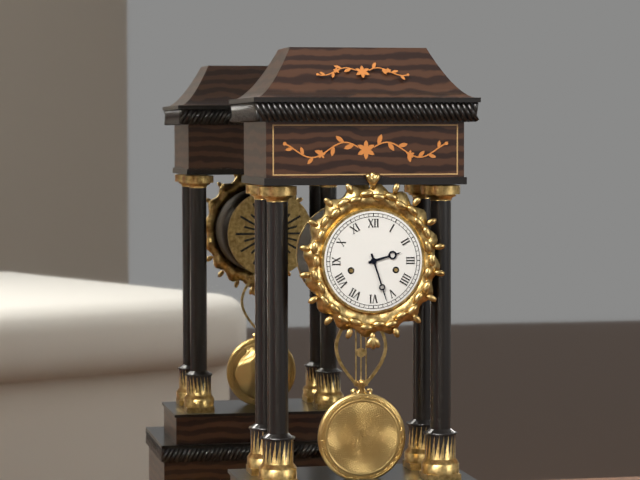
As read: {"hour": 2, "minute": 27}
